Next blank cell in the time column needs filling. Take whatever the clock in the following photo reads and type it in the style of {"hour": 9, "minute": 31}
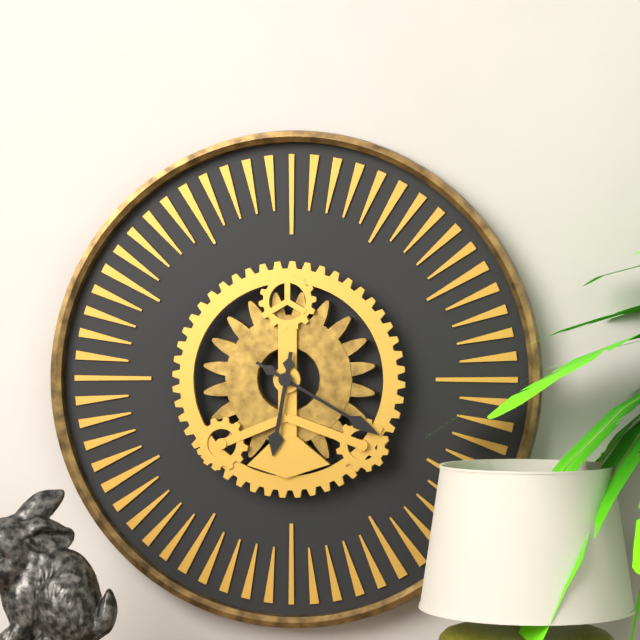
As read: {"hour": 6, "minute": 20}
